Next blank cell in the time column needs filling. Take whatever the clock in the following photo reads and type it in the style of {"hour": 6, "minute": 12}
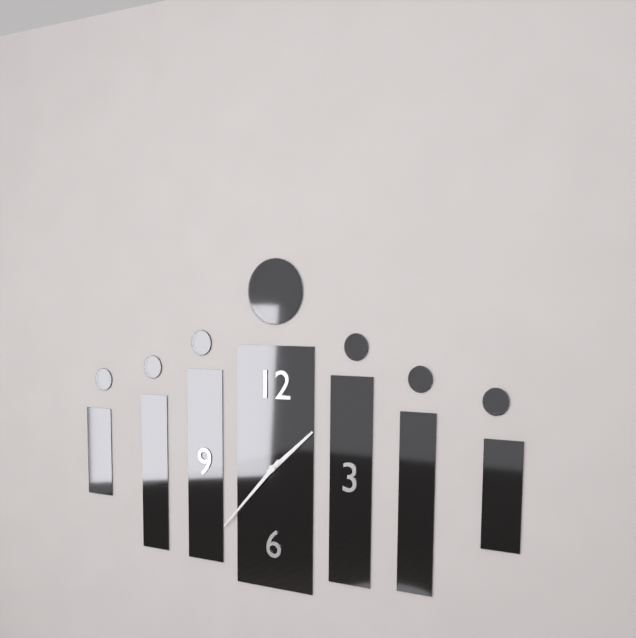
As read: {"hour": 1, "minute": 37}
